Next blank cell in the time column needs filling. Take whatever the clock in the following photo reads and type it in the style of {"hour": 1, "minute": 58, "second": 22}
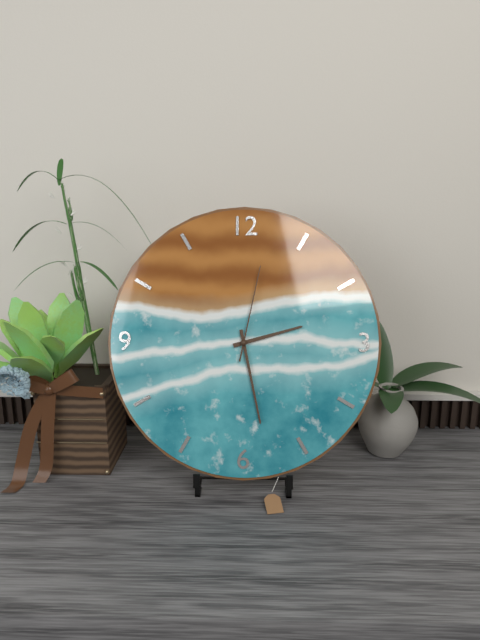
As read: {"hour": 2, "minute": 28, "second": 2}
